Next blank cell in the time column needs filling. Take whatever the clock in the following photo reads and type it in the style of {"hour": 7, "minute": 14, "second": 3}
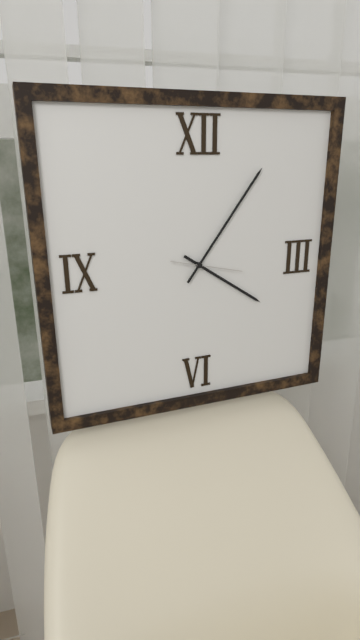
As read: {"hour": 4, "minute": 6, "second": 17}
